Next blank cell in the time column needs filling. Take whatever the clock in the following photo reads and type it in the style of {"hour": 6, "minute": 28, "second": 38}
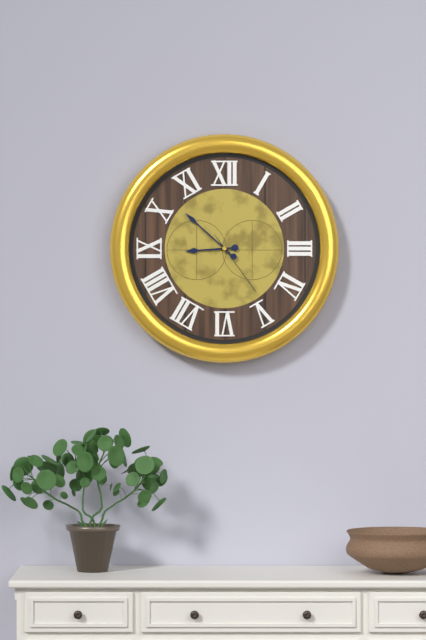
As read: {"hour": 8, "minute": 52, "second": 24}
